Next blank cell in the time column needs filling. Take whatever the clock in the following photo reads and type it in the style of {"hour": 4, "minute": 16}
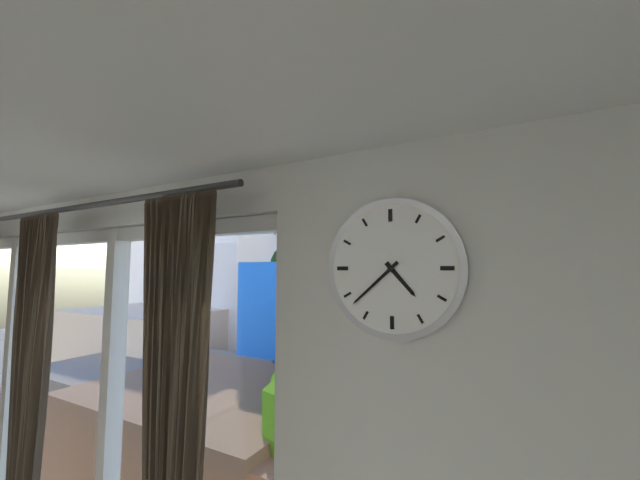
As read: {"hour": 4, "minute": 38}
